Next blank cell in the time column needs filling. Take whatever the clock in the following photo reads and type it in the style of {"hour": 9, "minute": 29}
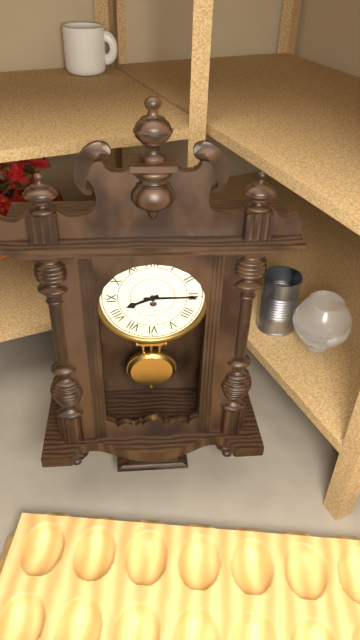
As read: {"hour": 8, "minute": 15}
